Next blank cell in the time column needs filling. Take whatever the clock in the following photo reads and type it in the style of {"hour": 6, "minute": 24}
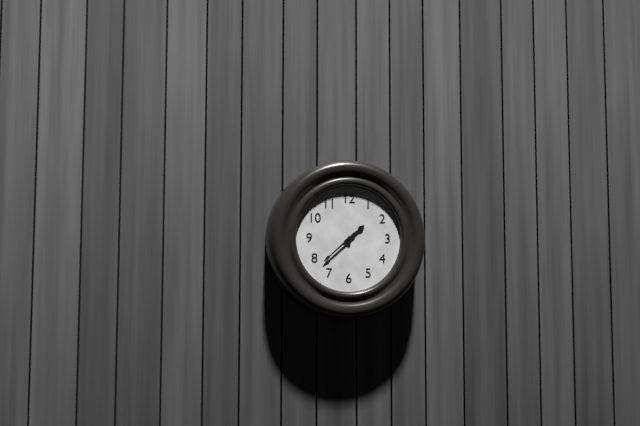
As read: {"hour": 1, "minute": 38}
